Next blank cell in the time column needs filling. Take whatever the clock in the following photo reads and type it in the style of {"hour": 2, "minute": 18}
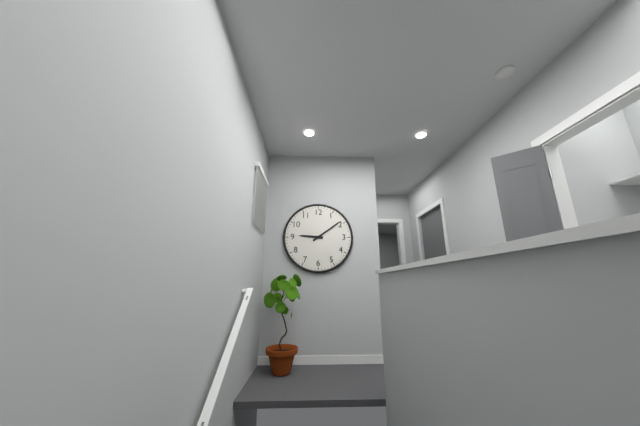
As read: {"hour": 9, "minute": 9}
